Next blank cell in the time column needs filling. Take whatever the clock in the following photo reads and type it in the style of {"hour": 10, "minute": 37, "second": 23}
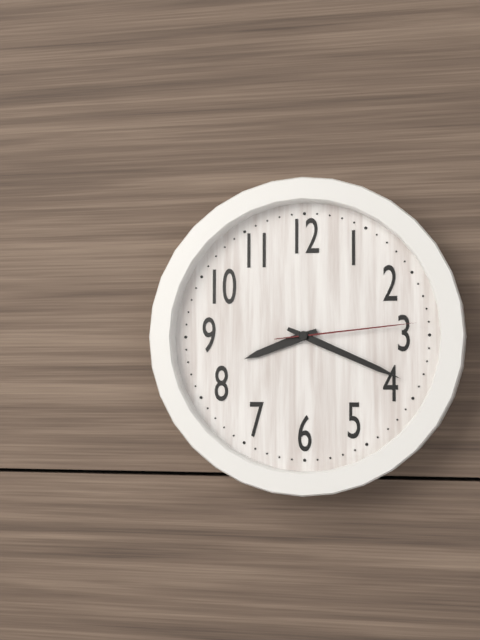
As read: {"hour": 8, "minute": 19, "second": 14}
